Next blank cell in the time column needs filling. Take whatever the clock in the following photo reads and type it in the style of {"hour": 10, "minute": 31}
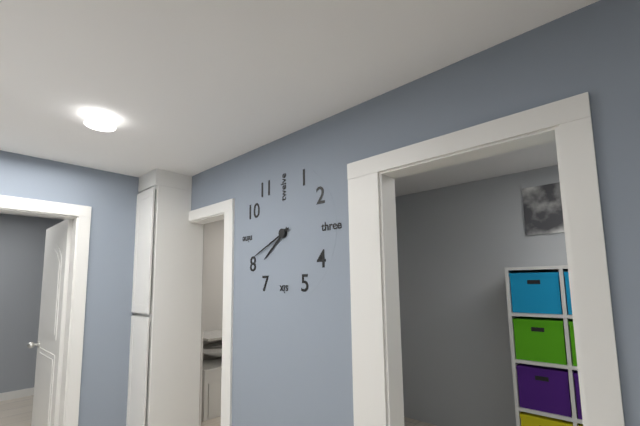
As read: {"hour": 7, "minute": 41}
